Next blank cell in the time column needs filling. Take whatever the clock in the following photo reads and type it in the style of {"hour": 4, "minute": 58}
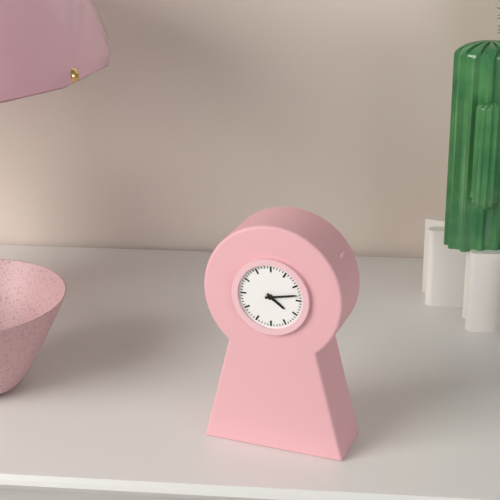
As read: {"hour": 4, "minute": 13}
